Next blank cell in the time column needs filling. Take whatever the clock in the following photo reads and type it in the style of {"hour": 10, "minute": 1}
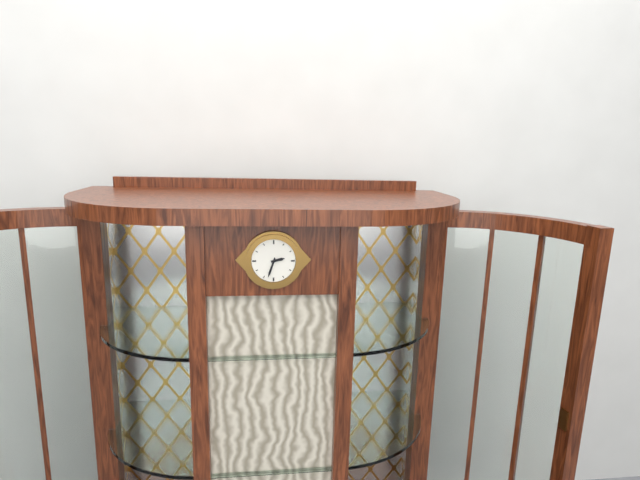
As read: {"hour": 2, "minute": 33}
